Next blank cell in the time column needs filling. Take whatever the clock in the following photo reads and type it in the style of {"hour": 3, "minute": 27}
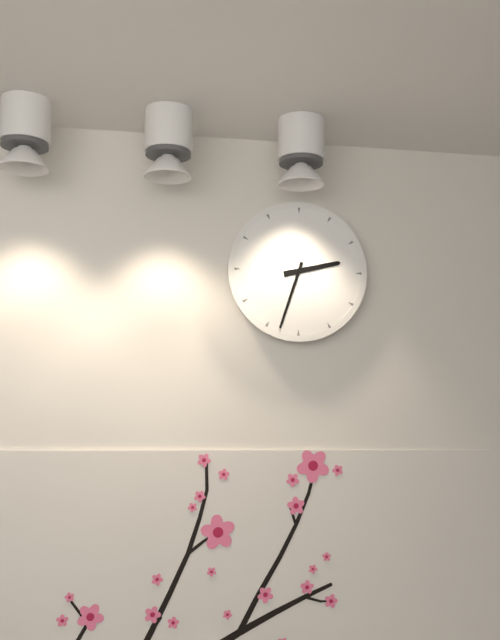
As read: {"hour": 2, "minute": 33}
